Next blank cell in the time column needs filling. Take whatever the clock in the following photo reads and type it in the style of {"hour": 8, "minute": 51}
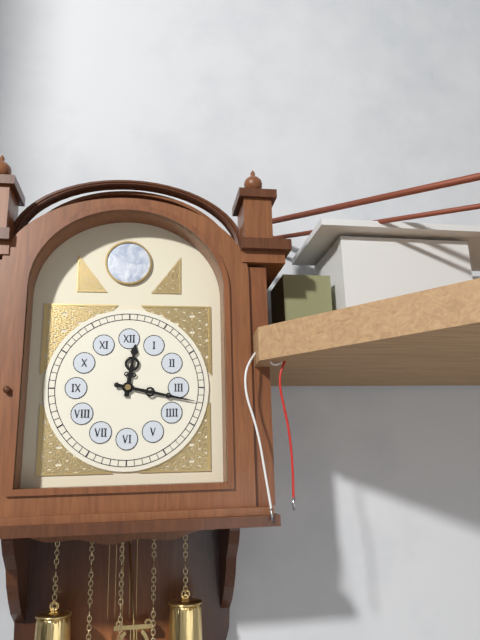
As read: {"hour": 12, "minute": 17}
